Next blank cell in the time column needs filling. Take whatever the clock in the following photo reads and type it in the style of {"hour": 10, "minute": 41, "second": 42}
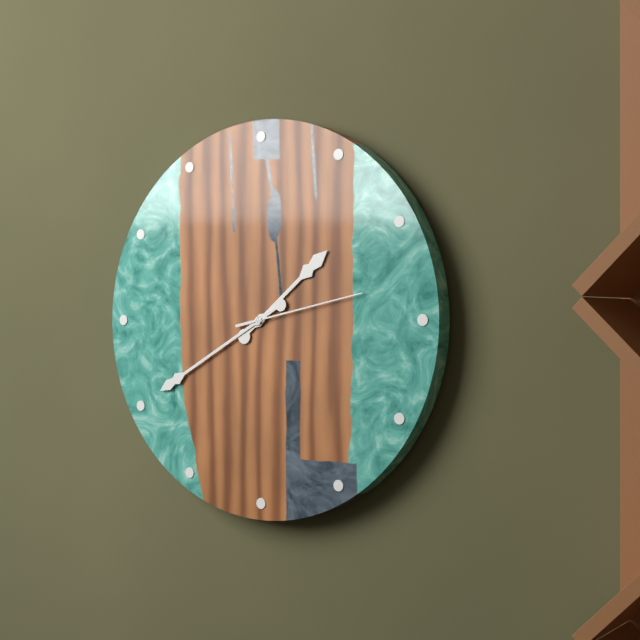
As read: {"hour": 1, "minute": 40, "second": 13}
